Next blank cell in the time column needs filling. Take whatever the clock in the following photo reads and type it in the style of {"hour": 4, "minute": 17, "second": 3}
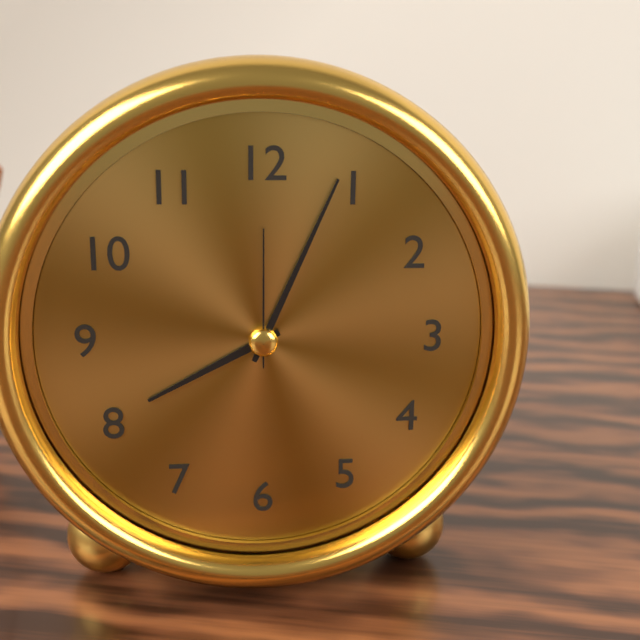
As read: {"hour": 8, "minute": 4, "second": 0}
